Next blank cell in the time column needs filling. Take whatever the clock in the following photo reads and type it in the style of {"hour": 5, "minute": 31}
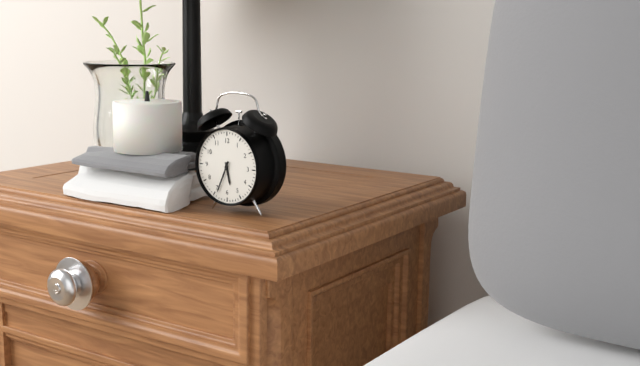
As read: {"hour": 5, "minute": 34}
